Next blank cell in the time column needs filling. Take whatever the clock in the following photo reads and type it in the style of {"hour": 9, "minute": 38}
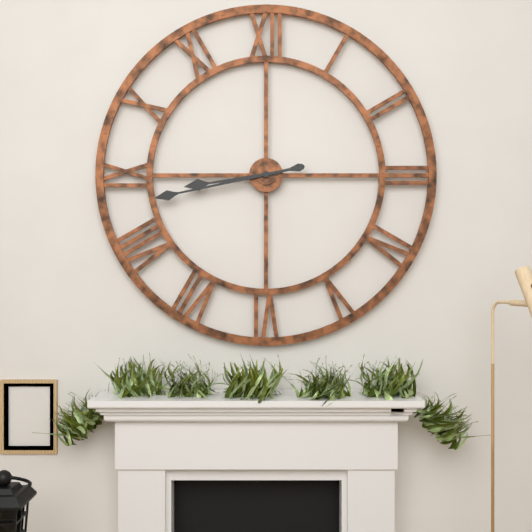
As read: {"hour": 8, "minute": 43}
